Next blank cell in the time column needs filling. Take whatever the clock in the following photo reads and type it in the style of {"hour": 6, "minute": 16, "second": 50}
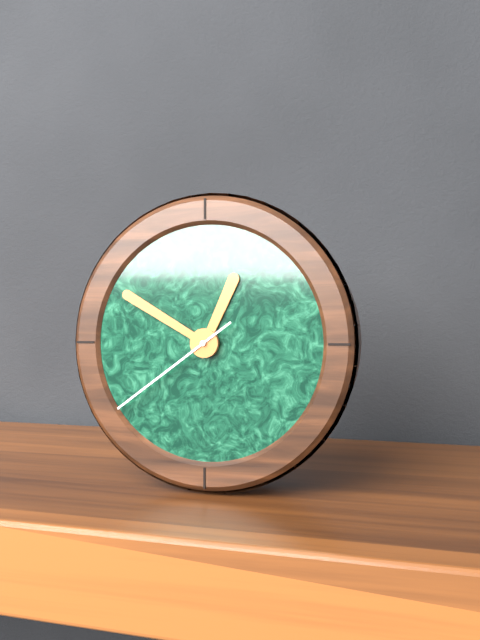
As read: {"hour": 12, "minute": 50, "second": 39}
